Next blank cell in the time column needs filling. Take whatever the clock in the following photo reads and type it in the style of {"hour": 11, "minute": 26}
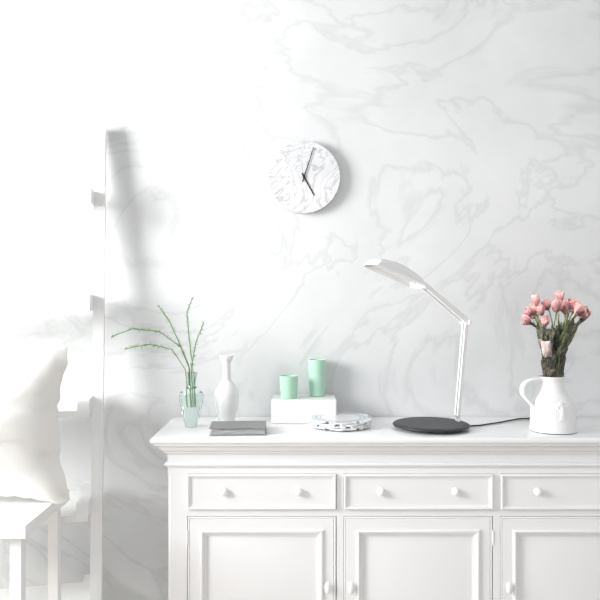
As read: {"hour": 5, "minute": 3}
